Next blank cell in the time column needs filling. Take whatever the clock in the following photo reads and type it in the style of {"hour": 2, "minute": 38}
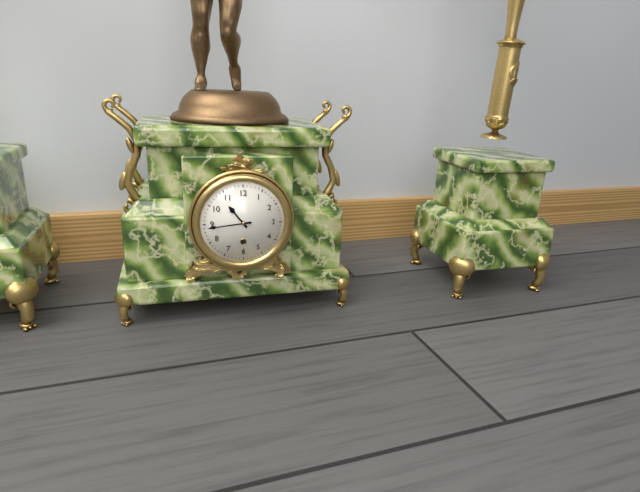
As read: {"hour": 10, "minute": 44}
